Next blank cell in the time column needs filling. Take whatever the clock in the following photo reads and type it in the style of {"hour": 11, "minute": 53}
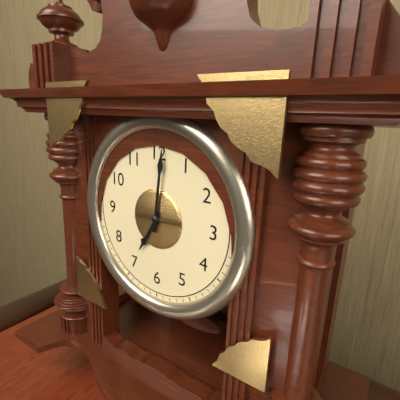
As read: {"hour": 7, "minute": 1}
